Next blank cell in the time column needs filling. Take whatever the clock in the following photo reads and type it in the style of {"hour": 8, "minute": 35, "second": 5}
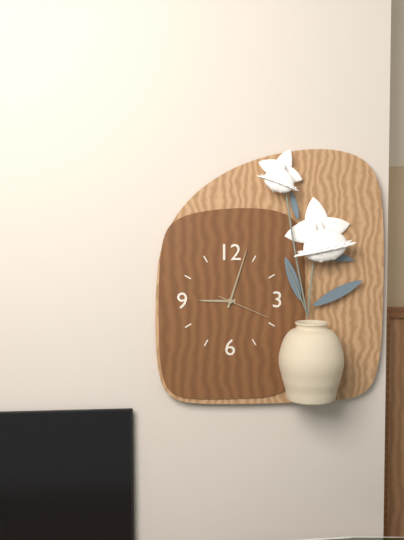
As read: {"hour": 9, "minute": 3, "second": 19}
